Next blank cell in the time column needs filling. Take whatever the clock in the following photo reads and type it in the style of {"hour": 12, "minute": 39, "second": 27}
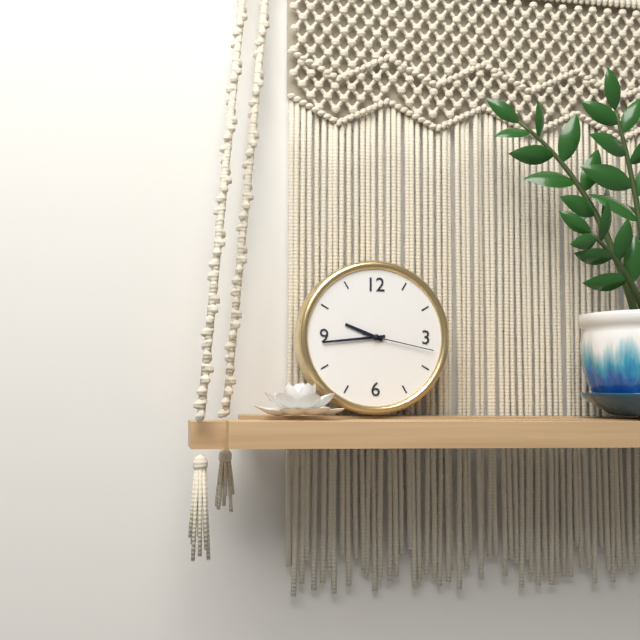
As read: {"hour": 9, "minute": 44, "second": 17}
